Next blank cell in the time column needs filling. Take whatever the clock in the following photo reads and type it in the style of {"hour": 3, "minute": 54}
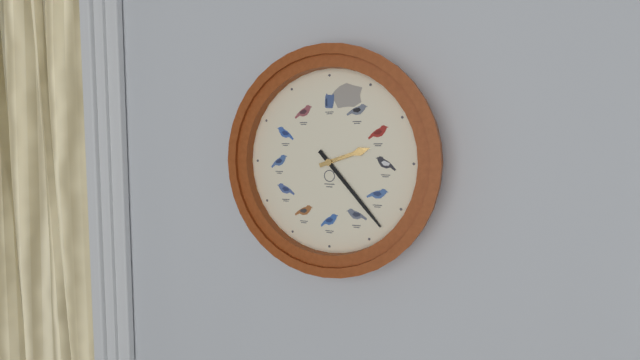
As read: {"hour": 2, "minute": 23}
